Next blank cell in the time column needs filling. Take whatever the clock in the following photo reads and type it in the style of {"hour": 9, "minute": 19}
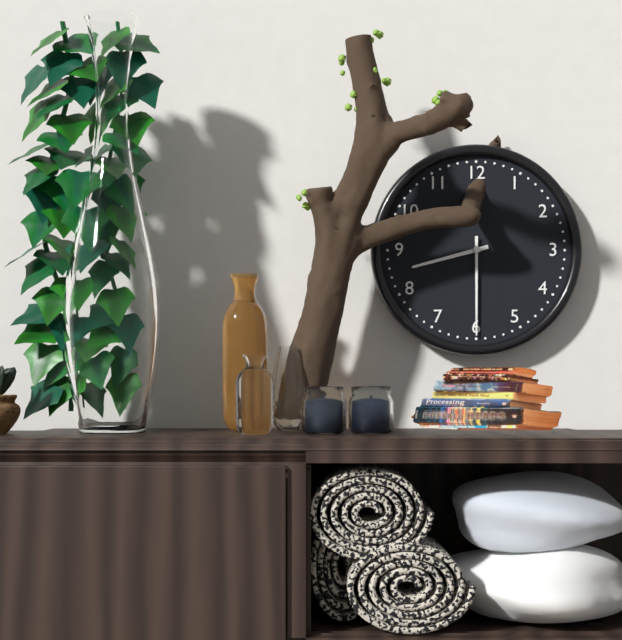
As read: {"hour": 8, "minute": 30}
